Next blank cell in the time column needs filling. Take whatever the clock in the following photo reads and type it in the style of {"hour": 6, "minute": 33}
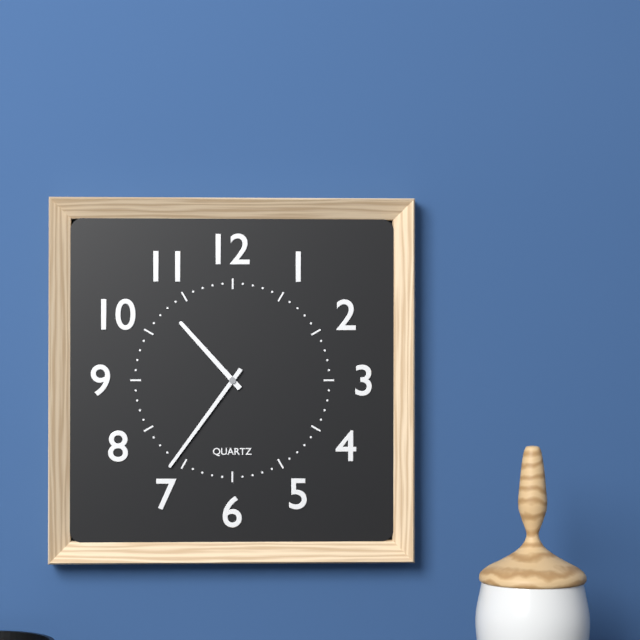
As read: {"hour": 10, "minute": 36}
